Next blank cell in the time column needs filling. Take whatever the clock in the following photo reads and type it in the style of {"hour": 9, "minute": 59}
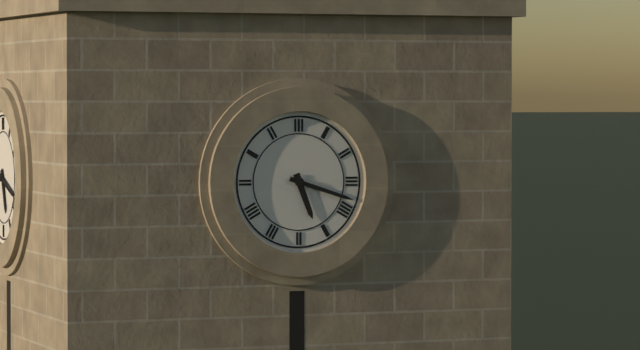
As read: {"hour": 5, "minute": 18}
